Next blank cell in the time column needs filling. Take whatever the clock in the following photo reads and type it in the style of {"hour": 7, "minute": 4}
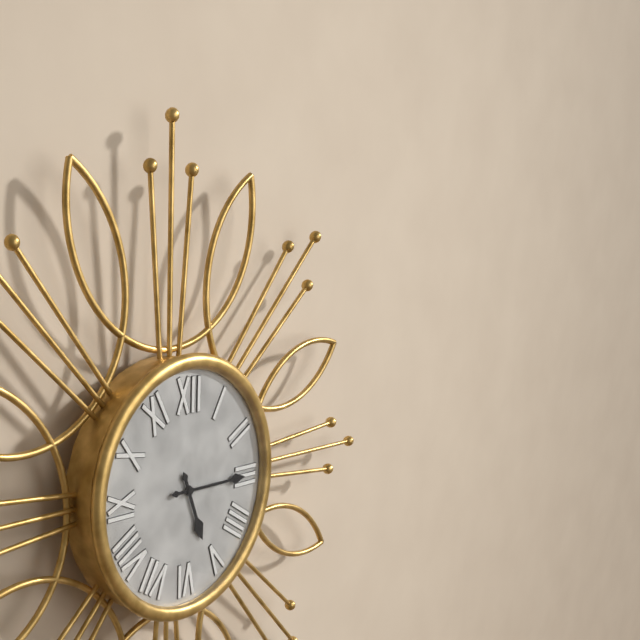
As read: {"hour": 5, "minute": 15}
